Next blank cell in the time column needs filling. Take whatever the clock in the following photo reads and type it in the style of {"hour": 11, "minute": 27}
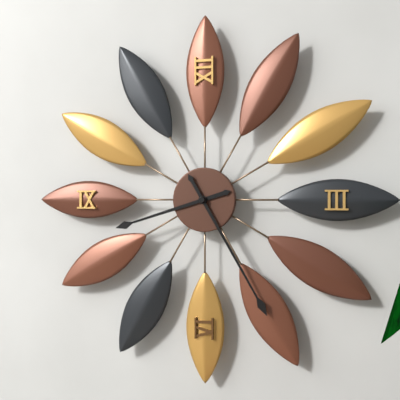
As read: {"hour": 8, "minute": 25}
